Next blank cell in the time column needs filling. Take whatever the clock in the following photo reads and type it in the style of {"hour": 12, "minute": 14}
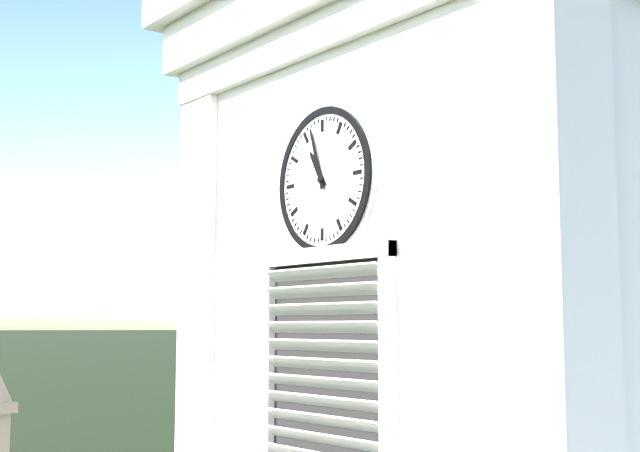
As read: {"hour": 10, "minute": 57}
